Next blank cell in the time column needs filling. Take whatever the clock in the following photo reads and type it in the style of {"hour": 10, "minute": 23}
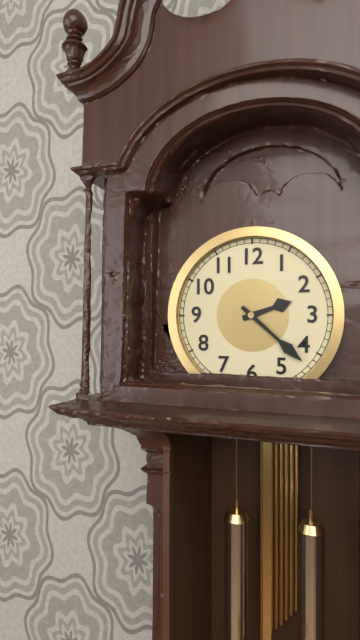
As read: {"hour": 2, "minute": 22}
